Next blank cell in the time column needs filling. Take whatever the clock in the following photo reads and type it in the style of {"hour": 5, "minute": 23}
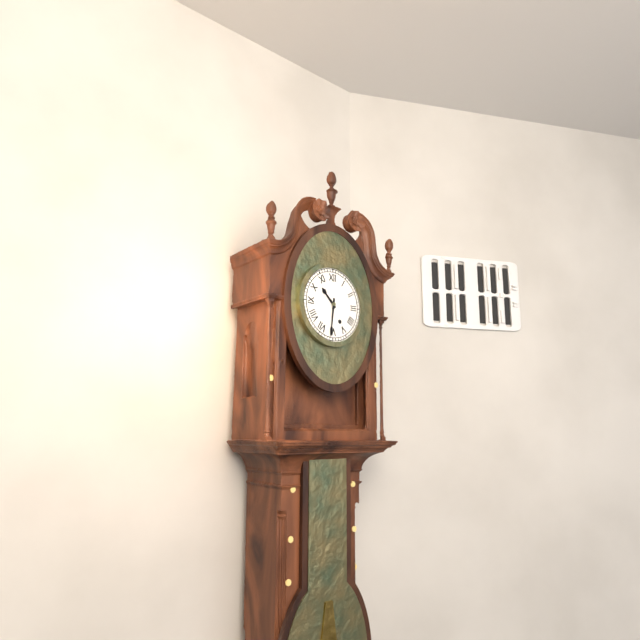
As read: {"hour": 10, "minute": 31}
